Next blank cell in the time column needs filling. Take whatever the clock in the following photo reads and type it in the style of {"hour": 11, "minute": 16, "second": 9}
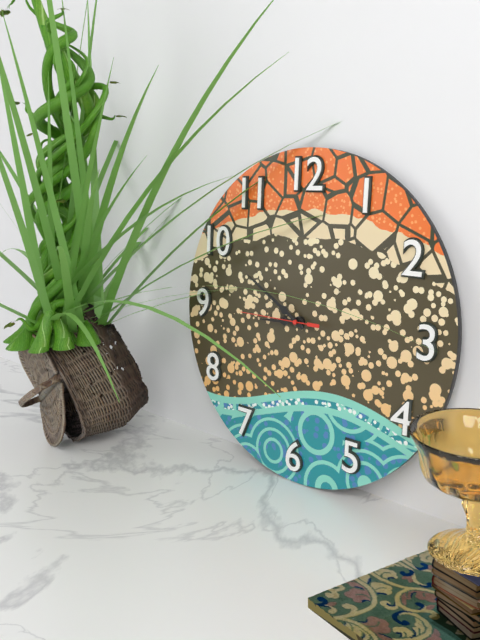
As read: {"hour": 8, "minute": 50, "second": 45}
